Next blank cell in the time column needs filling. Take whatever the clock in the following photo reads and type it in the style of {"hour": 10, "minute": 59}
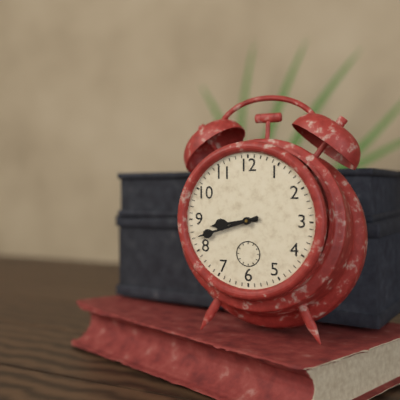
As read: {"hour": 8, "minute": 42}
